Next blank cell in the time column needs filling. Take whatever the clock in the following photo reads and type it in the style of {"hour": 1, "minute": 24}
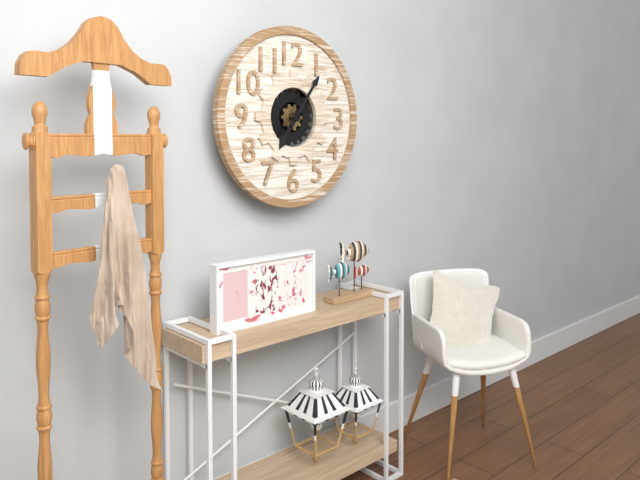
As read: {"hour": 7, "minute": 6}
